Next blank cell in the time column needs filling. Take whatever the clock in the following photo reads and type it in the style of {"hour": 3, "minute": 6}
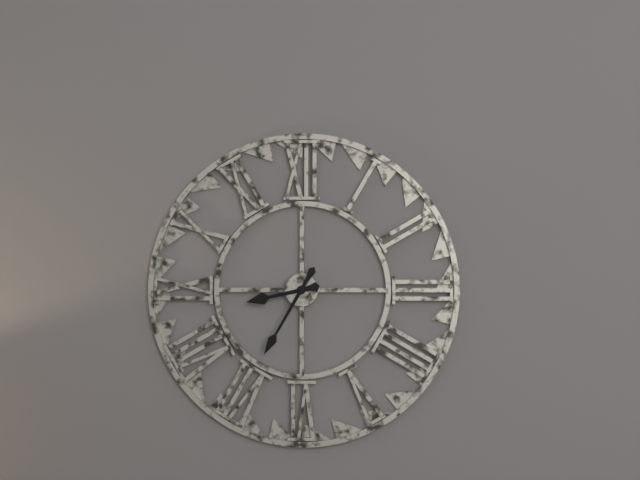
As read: {"hour": 8, "minute": 35}
